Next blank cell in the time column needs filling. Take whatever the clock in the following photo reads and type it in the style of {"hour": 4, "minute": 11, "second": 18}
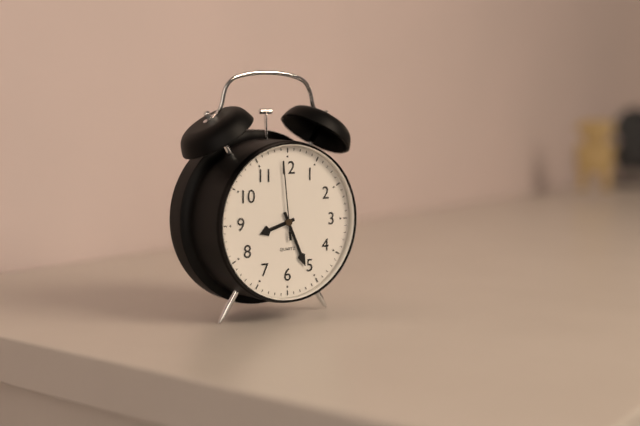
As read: {"hour": 8, "minute": 26, "second": 59}
